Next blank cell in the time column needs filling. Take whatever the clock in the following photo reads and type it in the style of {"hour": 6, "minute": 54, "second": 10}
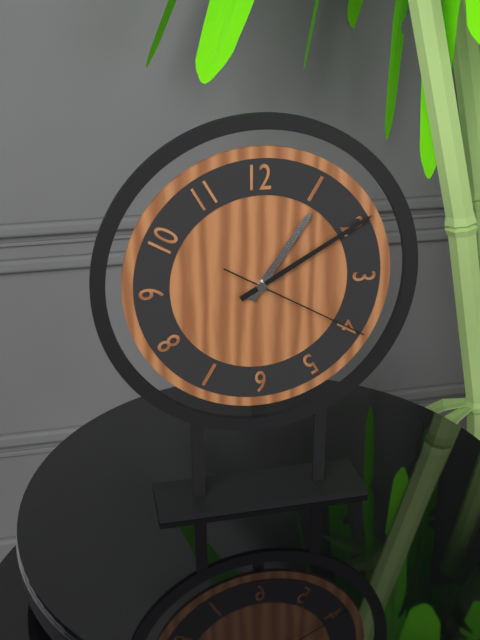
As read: {"hour": 1, "minute": 10, "second": 20}
